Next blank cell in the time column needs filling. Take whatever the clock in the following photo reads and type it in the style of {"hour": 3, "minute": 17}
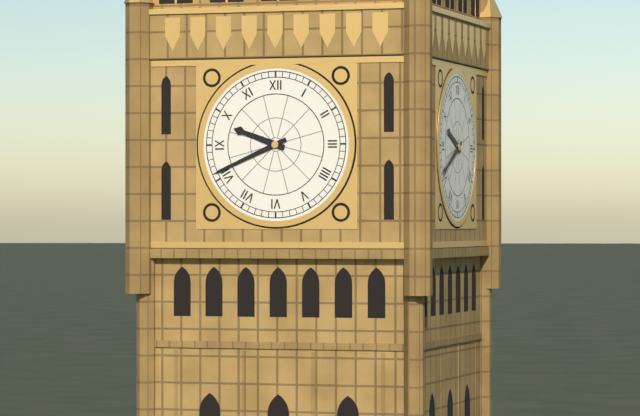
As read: {"hour": 9, "minute": 41}
